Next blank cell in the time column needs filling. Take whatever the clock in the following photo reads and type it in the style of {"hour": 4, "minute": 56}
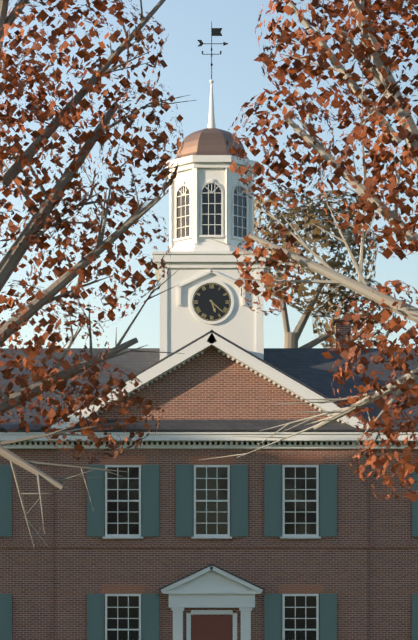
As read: {"hour": 5, "minute": 22}
